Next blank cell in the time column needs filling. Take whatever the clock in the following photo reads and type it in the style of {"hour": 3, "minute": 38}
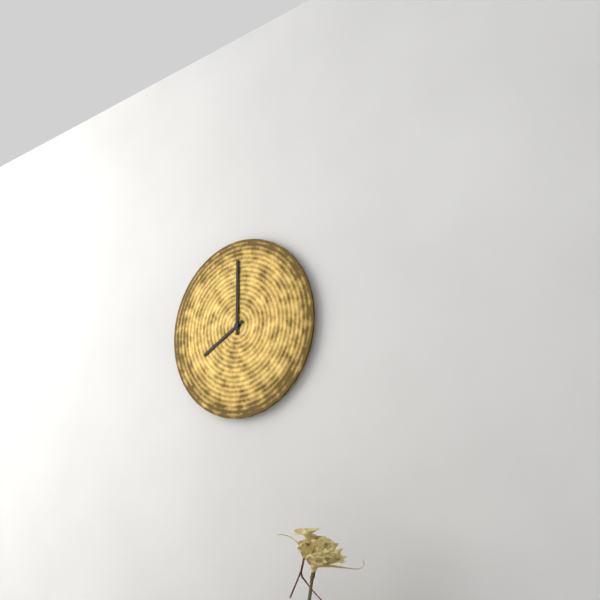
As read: {"hour": 8, "minute": 0}
